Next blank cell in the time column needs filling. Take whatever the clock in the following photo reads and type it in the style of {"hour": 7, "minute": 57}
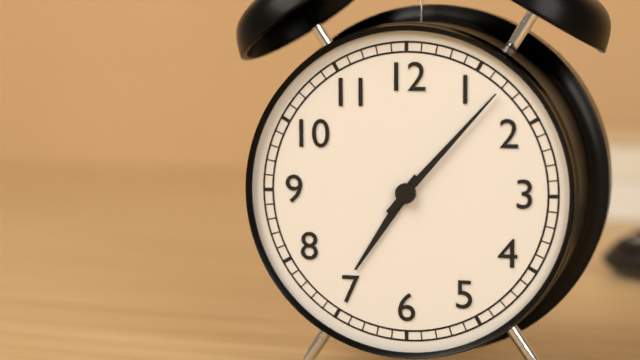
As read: {"hour": 7, "minute": 7}
